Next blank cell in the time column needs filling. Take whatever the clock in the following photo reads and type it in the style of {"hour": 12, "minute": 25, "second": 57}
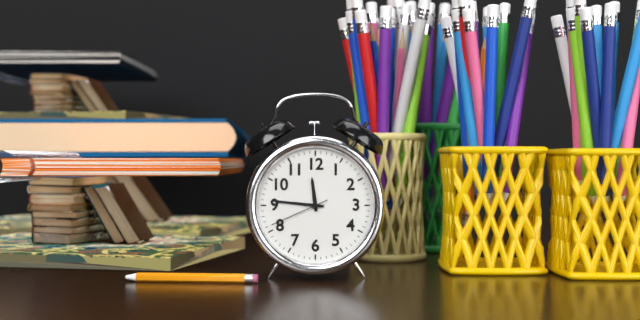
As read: {"hour": 11, "minute": 46, "second": 41}
